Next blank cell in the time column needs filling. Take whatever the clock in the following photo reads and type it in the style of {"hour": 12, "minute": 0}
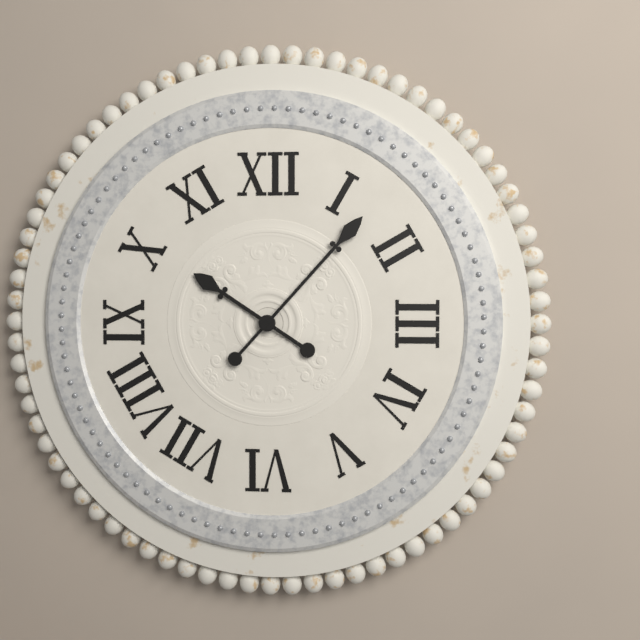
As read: {"hour": 10, "minute": 7}
